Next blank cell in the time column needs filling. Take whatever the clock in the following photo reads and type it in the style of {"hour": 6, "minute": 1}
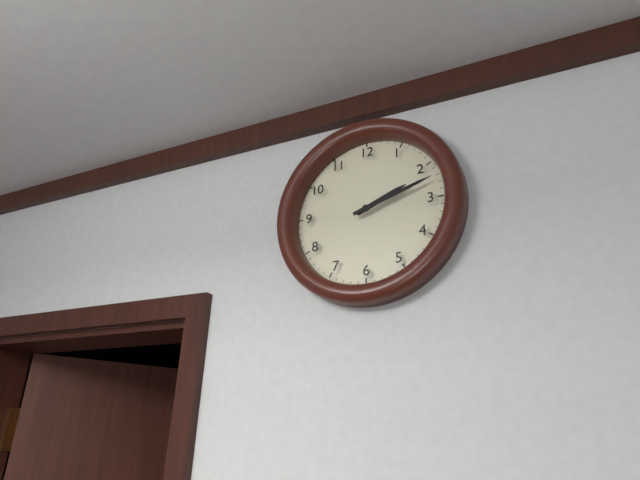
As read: {"hour": 2, "minute": 12}
